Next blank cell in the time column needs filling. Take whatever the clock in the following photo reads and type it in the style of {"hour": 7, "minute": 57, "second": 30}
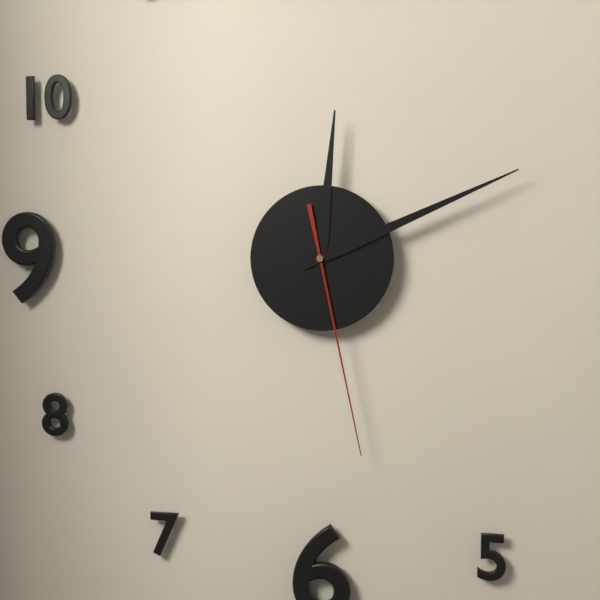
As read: {"hour": 12, "minute": 11, "second": 28}
